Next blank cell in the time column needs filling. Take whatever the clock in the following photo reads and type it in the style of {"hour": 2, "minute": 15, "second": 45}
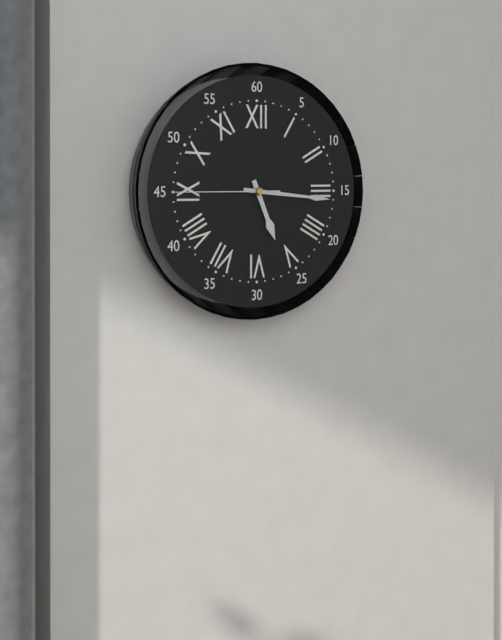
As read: {"hour": 5, "minute": 16, "second": 45}
